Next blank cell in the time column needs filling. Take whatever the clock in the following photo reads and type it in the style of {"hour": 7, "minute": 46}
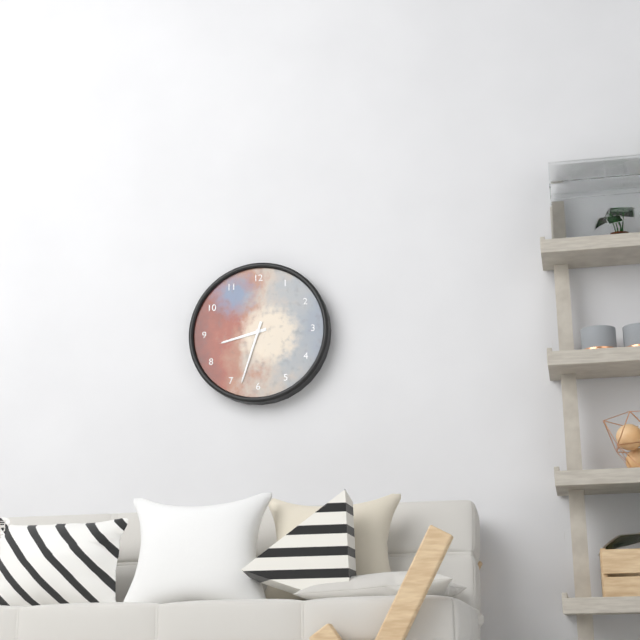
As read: {"hour": 8, "minute": 33}
